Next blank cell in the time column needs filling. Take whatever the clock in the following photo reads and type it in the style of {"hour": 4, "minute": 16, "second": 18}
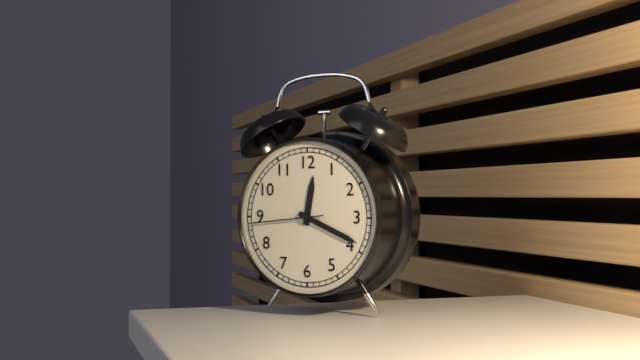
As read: {"hour": 12, "minute": 19, "second": 44}
